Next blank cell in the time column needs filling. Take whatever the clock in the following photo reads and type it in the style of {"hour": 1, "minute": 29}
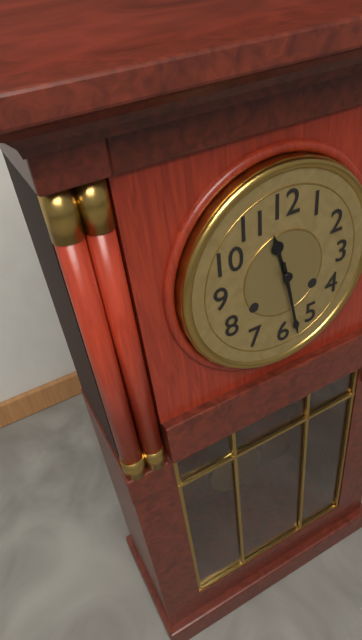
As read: {"hour": 11, "minute": 28}
